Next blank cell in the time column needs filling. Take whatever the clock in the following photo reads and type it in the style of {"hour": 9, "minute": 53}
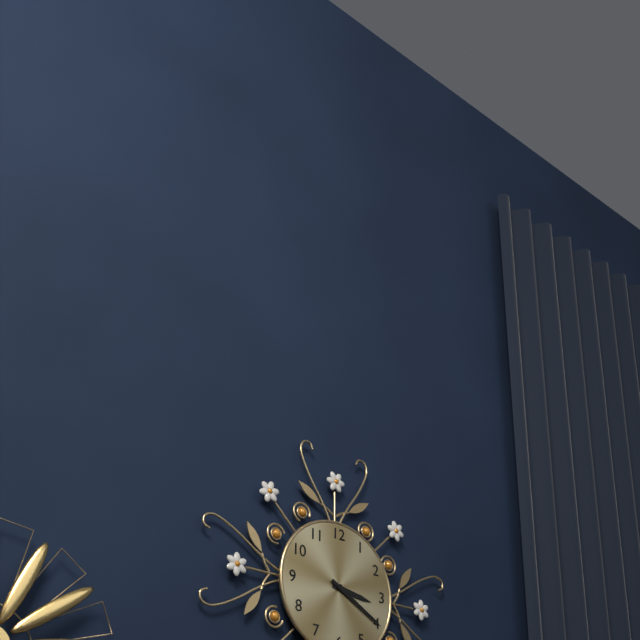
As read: {"hour": 3, "minute": 20}
